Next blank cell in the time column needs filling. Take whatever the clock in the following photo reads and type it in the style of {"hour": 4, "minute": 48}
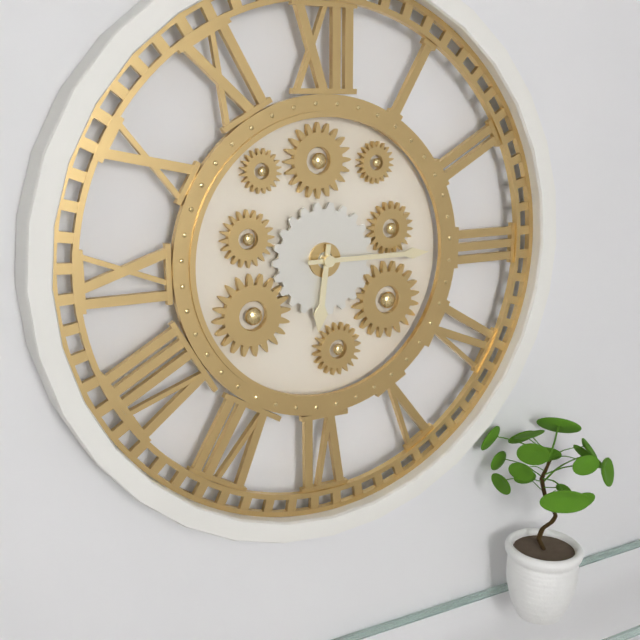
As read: {"hour": 6, "minute": 15}
